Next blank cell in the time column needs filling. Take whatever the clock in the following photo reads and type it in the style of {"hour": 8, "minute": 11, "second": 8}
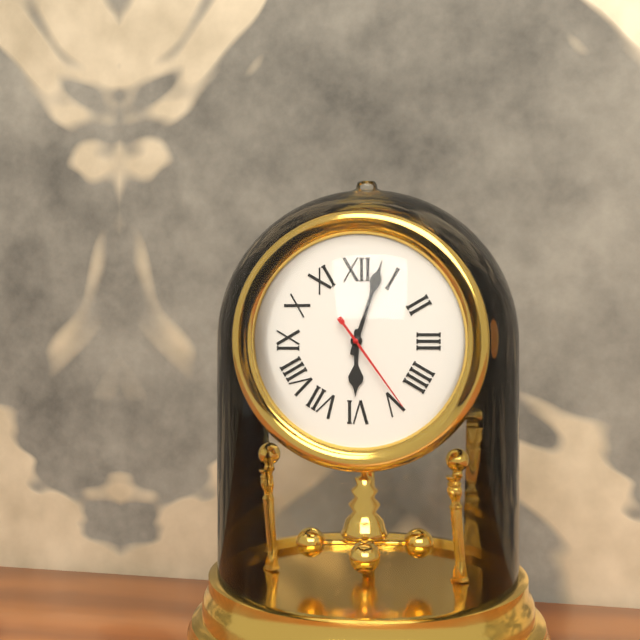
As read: {"hour": 6, "minute": 3, "second": 24}
